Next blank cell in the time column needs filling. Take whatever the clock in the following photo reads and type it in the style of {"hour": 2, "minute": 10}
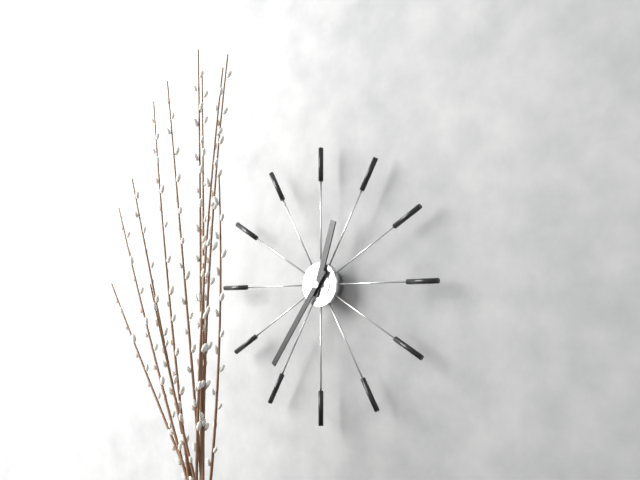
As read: {"hour": 12, "minute": 36}
